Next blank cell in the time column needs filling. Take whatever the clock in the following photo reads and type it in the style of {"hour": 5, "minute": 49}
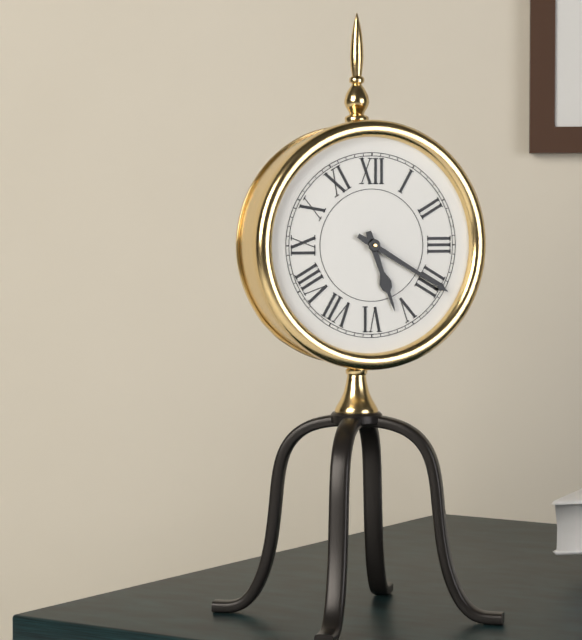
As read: {"hour": 5, "minute": 20}
